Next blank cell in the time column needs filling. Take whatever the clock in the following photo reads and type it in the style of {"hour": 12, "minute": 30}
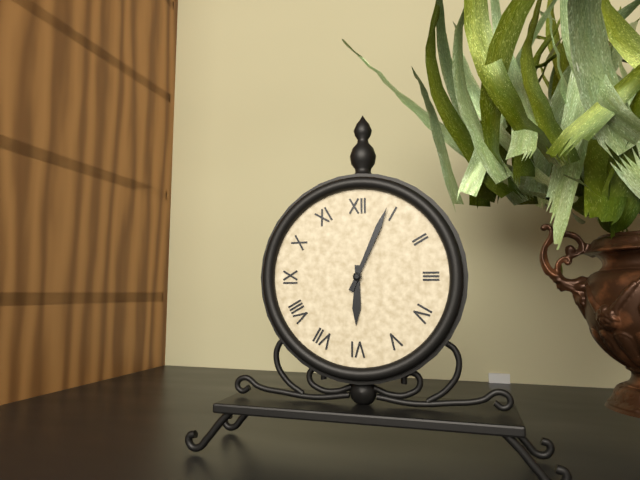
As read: {"hour": 6, "minute": 4}
